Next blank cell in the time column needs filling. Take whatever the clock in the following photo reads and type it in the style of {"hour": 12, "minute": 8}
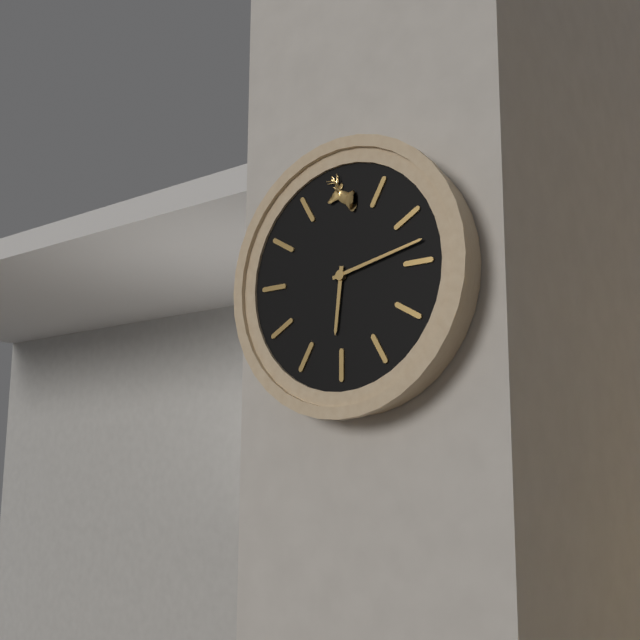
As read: {"hour": 6, "minute": 13}
